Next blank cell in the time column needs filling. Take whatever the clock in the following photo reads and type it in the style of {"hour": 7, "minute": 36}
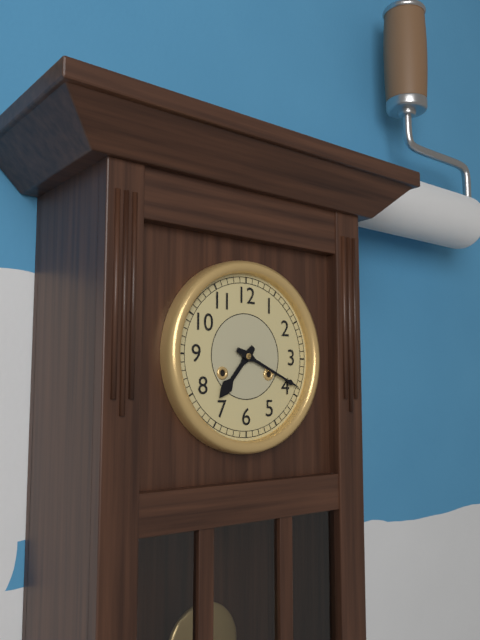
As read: {"hour": 7, "minute": 19}
